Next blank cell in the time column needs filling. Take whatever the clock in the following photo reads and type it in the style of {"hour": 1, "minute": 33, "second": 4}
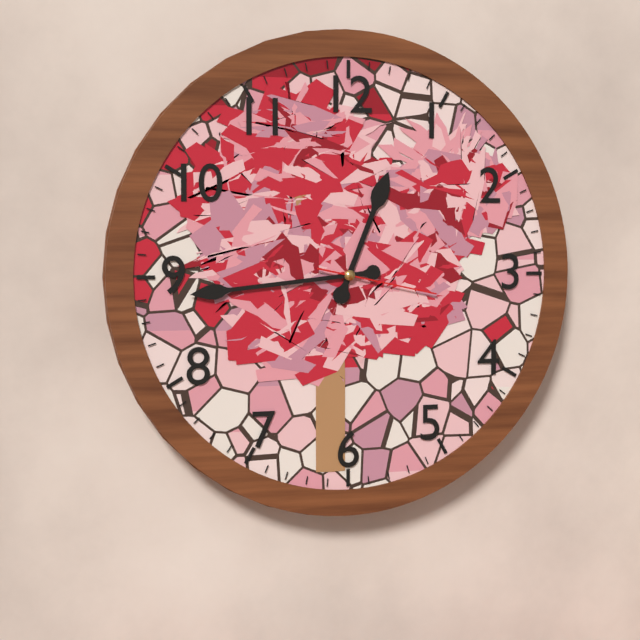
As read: {"hour": 12, "minute": 44, "second": 17}
